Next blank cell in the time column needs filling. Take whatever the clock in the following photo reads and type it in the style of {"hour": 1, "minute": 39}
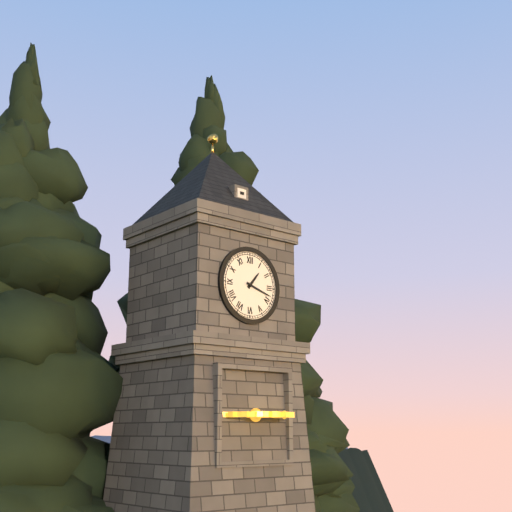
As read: {"hour": 1, "minute": 18}
